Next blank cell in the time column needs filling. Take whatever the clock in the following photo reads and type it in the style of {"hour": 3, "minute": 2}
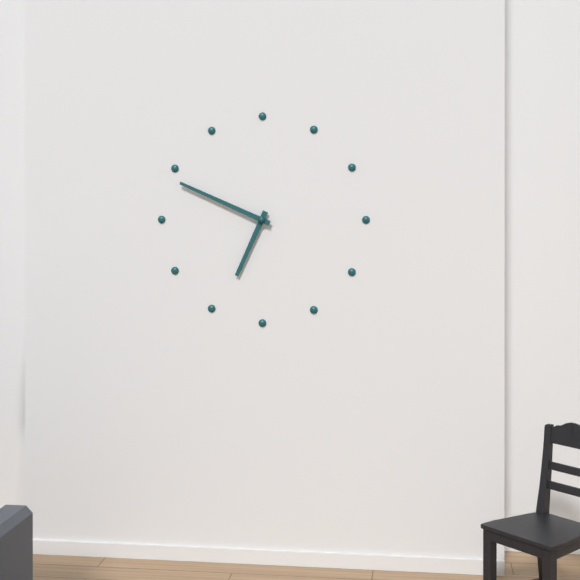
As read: {"hour": 6, "minute": 49}
